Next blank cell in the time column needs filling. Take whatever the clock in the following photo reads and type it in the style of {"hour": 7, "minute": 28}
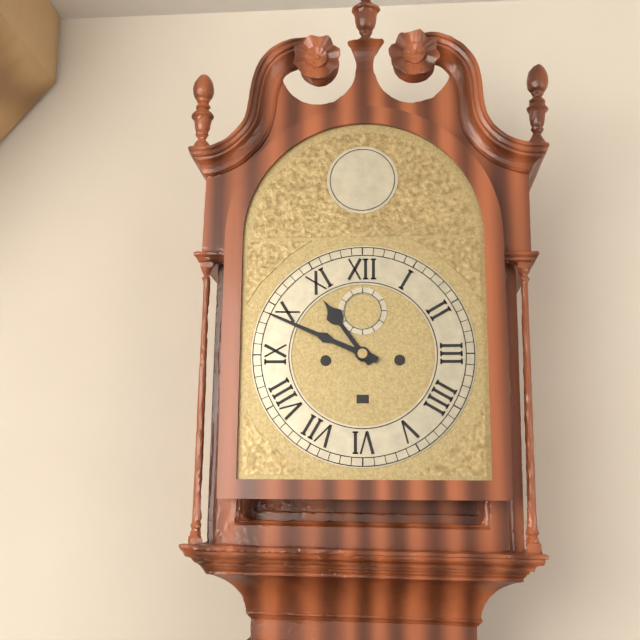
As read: {"hour": 10, "minute": 49}
